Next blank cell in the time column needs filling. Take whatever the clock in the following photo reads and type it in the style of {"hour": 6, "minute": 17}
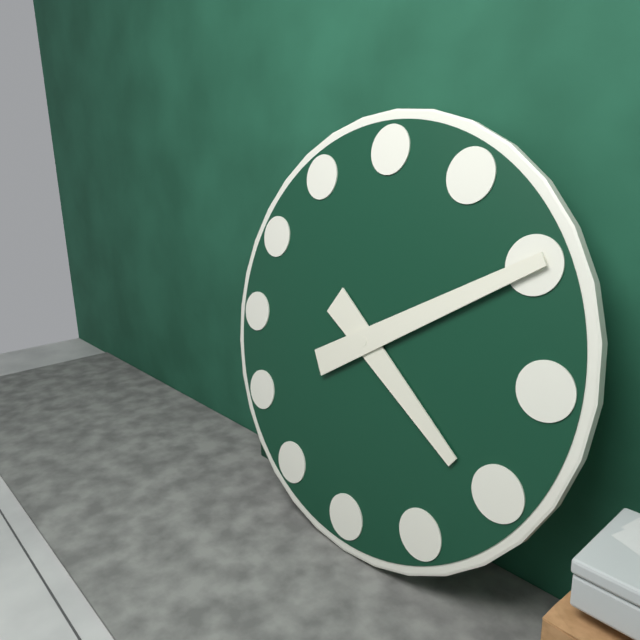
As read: {"hour": 4, "minute": 10}
